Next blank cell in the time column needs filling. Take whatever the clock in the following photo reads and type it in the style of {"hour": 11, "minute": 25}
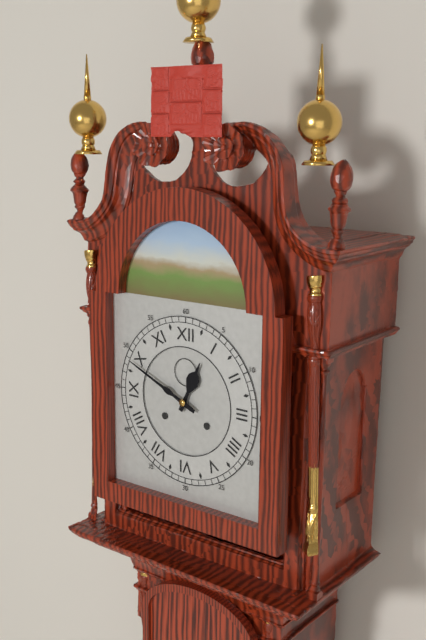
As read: {"hour": 12, "minute": 49}
